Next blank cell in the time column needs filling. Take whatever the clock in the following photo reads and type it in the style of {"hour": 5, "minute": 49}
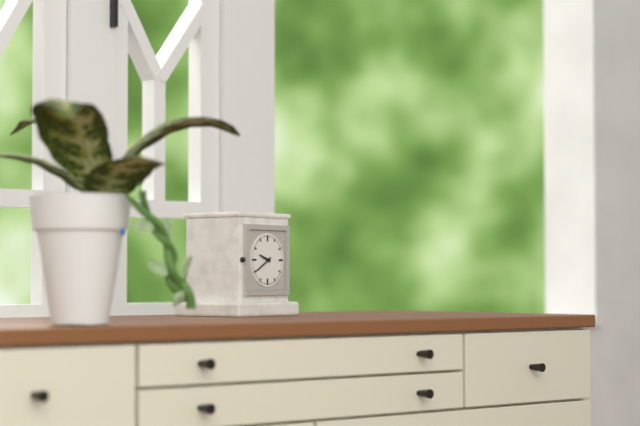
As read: {"hour": 9, "minute": 40}
